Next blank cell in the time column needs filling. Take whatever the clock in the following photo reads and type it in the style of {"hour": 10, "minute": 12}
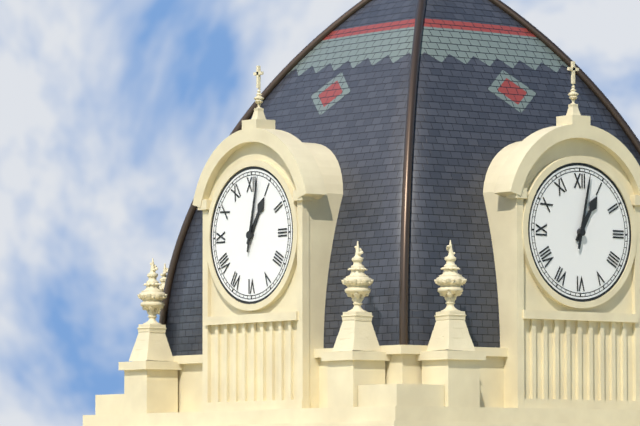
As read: {"hour": 1, "minute": 2}
